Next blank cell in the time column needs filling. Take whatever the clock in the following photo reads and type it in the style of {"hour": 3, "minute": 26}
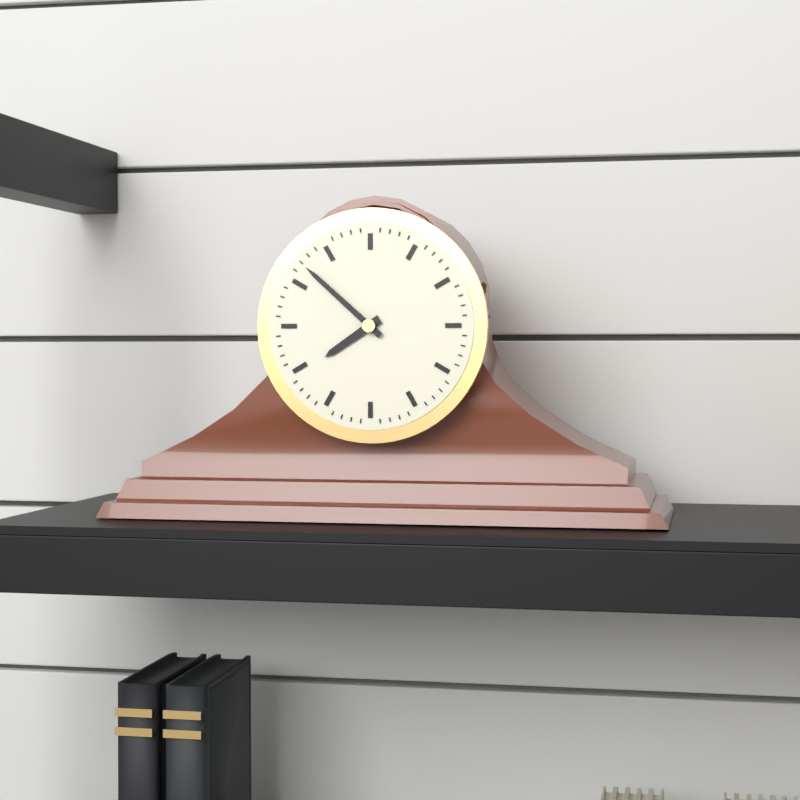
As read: {"hour": 7, "minute": 52}
